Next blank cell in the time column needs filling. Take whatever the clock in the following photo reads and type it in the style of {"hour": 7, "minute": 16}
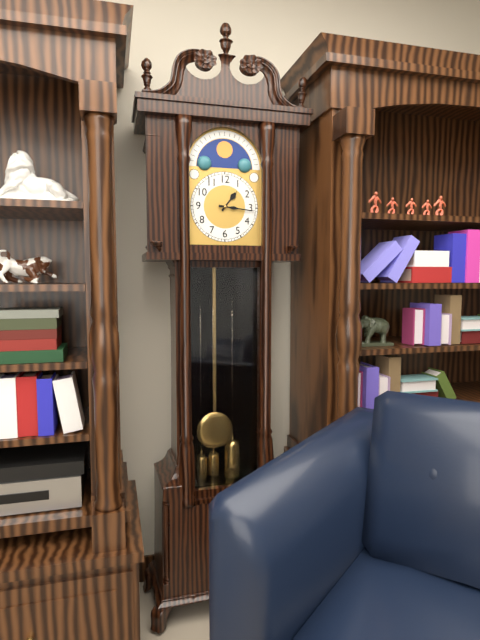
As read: {"hour": 1, "minute": 16}
